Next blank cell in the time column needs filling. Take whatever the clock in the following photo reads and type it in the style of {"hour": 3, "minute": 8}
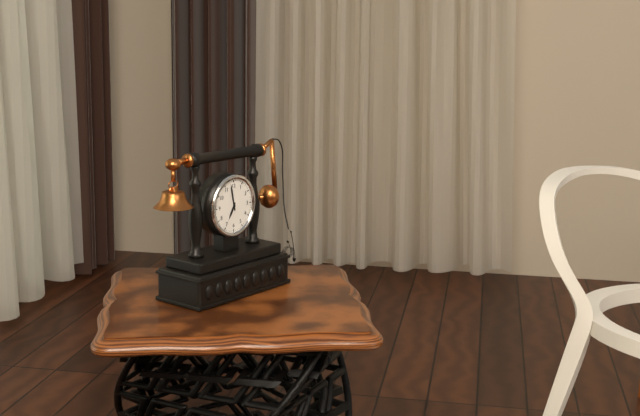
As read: {"hour": 6, "minute": 58}
